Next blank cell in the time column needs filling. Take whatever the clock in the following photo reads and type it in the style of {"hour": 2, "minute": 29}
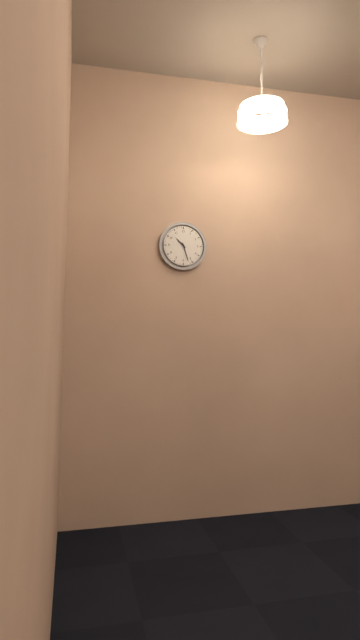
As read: {"hour": 10, "minute": 27}
